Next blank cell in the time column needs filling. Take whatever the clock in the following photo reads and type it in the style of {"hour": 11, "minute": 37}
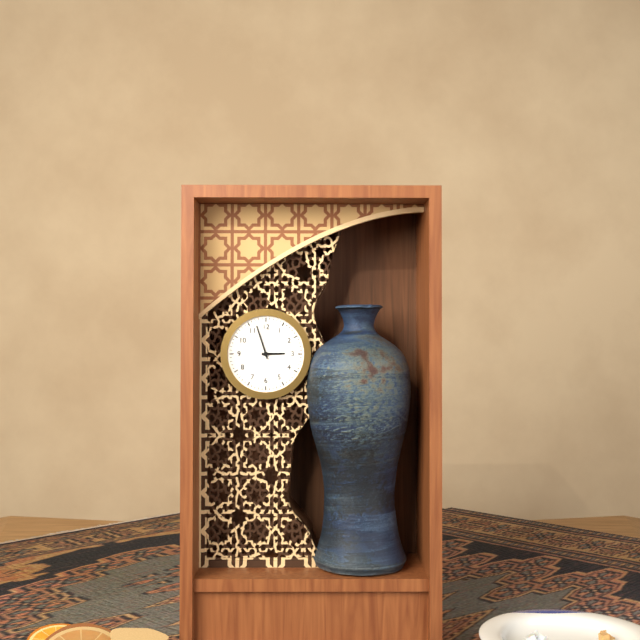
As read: {"hour": 2, "minute": 57}
